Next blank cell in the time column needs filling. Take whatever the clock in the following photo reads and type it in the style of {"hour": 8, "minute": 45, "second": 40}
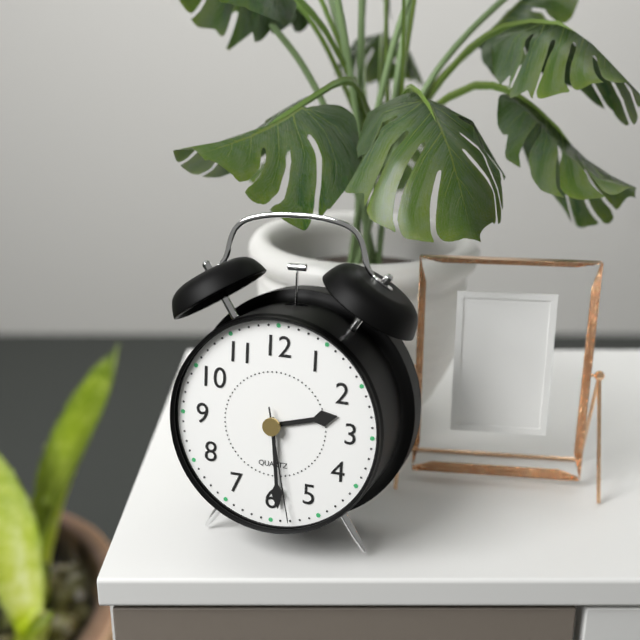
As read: {"hour": 2, "minute": 29, "second": 28}
